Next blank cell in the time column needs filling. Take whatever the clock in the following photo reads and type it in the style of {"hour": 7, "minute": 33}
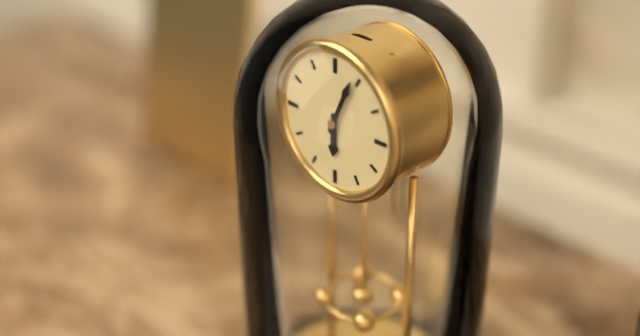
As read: {"hour": 6, "minute": 4}
